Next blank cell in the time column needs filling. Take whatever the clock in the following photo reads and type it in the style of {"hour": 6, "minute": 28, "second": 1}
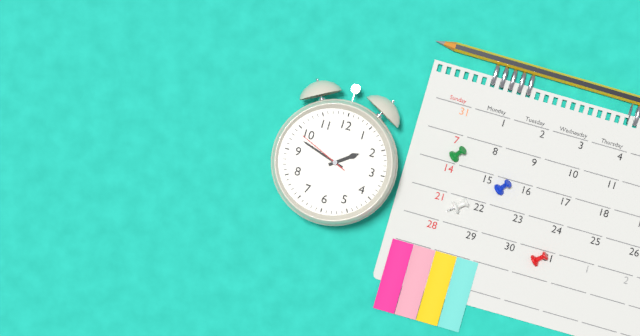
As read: {"hour": 1, "minute": 48, "second": 49}
